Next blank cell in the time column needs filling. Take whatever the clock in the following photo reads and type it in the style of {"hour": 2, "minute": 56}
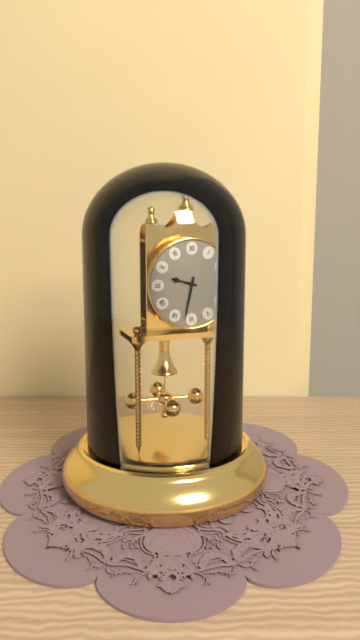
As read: {"hour": 9, "minute": 32}
